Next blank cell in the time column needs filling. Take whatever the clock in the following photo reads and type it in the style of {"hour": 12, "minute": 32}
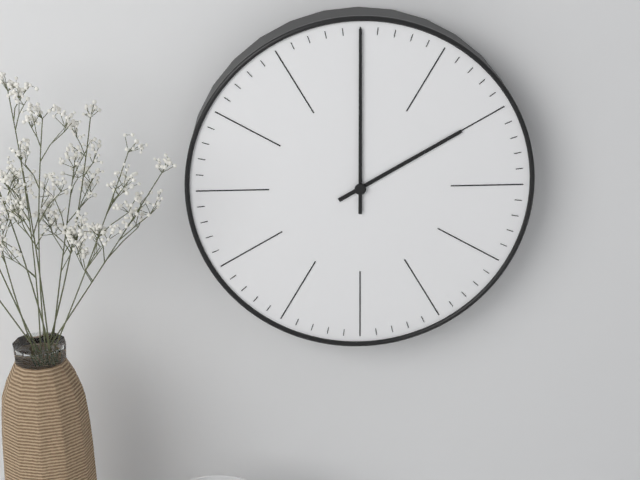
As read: {"hour": 2, "minute": 0}
